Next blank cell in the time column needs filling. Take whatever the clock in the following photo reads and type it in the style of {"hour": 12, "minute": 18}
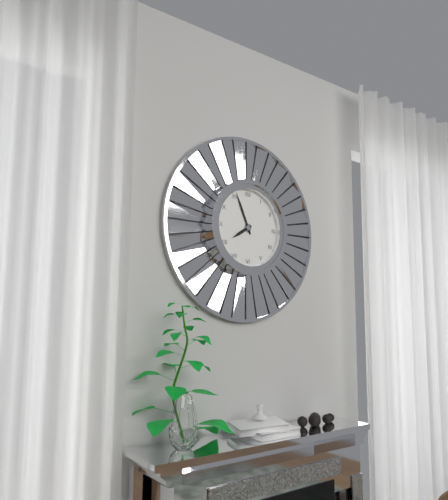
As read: {"hour": 7, "minute": 56}
